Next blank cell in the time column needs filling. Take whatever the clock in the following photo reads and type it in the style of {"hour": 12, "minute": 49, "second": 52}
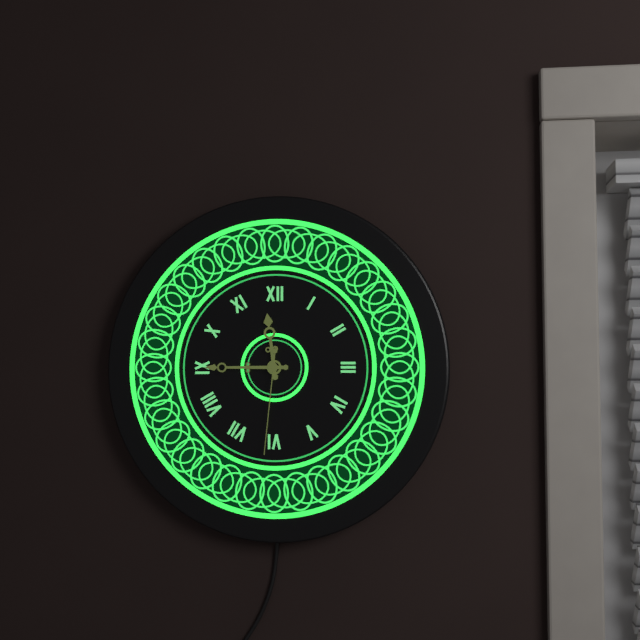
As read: {"hour": 11, "minute": 45, "second": 31}
